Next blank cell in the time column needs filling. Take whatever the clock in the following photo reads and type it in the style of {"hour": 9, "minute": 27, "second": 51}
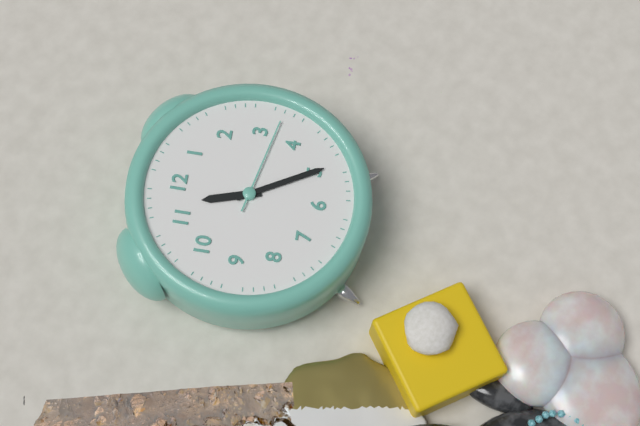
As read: {"hour": 11, "minute": 25, "second": 17}
